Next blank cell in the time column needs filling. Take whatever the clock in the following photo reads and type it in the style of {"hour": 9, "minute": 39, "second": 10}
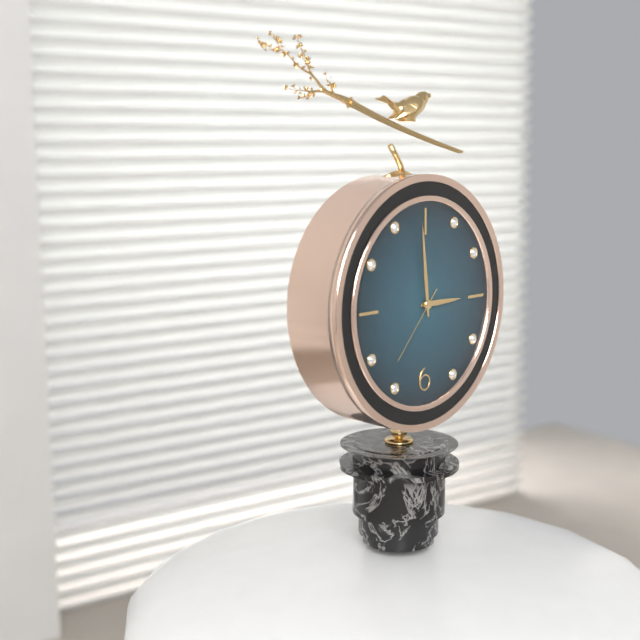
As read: {"hour": 2, "minute": 59, "second": 37}
